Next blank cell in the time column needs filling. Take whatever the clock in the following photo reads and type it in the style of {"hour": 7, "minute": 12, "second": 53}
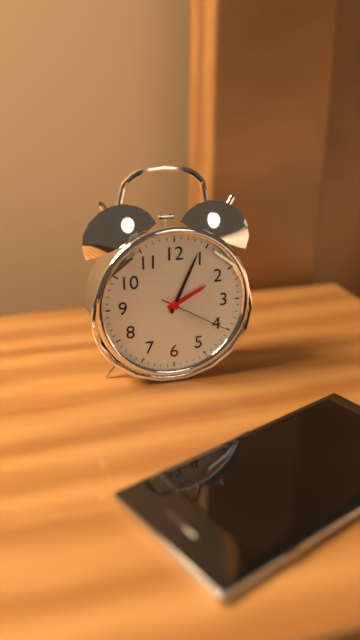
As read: {"hour": 2, "minute": 4, "second": 20}
